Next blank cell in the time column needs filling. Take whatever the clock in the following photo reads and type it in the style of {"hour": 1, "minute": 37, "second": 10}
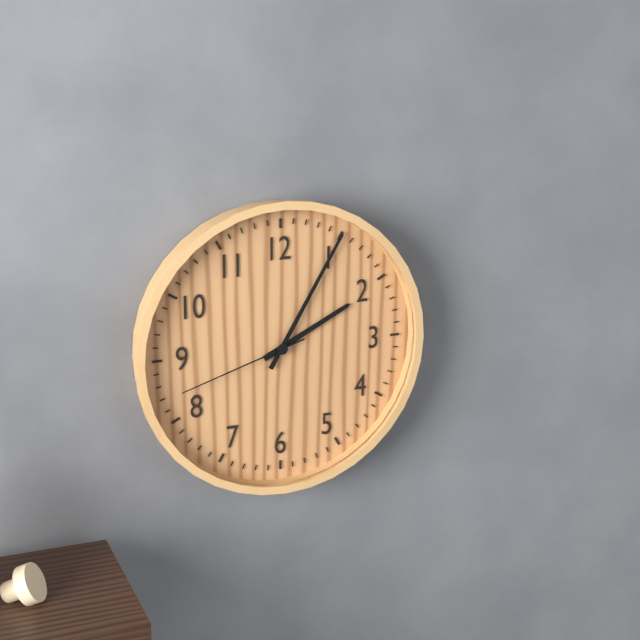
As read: {"hour": 2, "minute": 5, "second": 42}
